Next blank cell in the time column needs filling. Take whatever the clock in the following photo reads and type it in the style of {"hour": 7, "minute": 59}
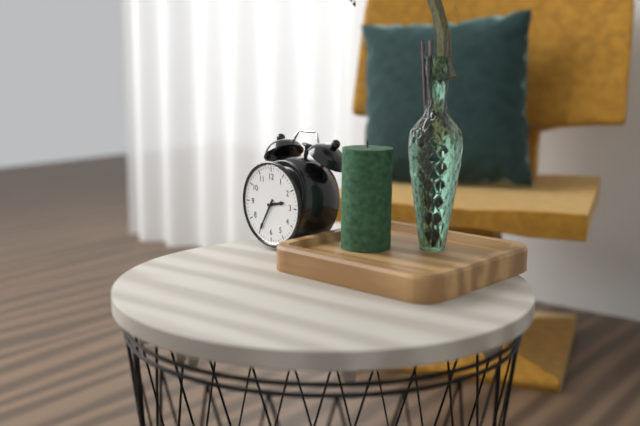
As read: {"hour": 2, "minute": 35}
